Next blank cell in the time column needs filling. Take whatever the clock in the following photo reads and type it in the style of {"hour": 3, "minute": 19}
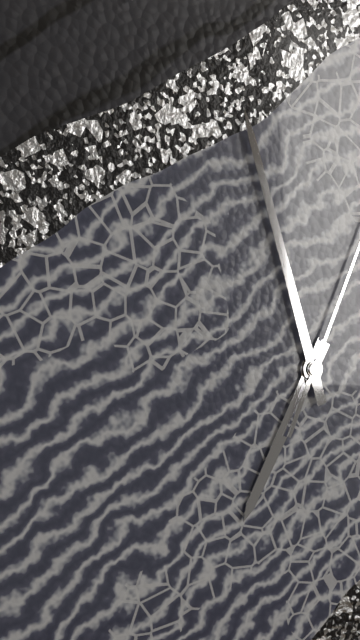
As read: {"hour": 6, "minute": 57}
